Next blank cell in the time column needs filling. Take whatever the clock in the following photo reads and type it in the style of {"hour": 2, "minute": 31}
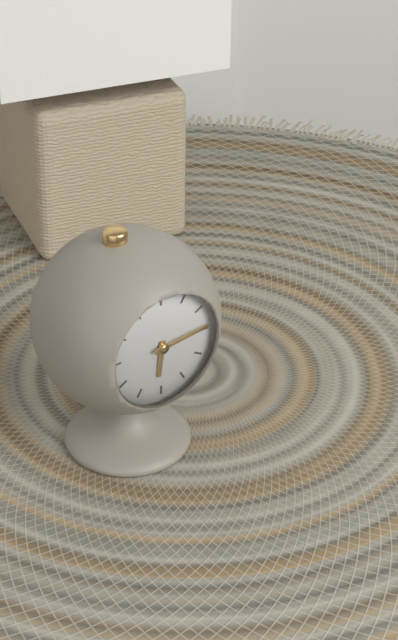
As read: {"hour": 6, "minute": 14}
